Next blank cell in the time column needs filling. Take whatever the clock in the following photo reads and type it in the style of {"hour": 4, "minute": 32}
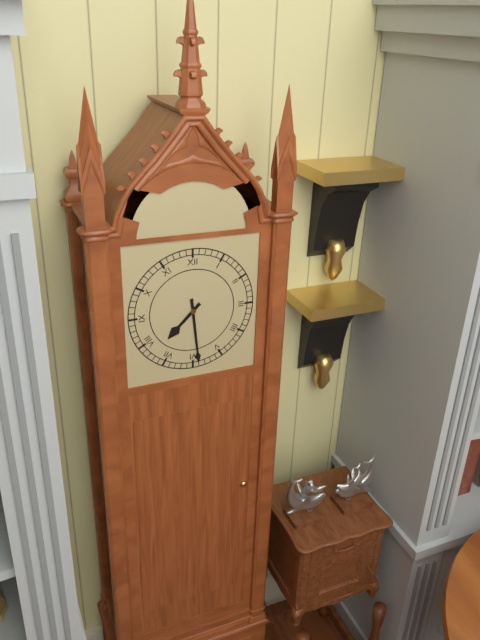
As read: {"hour": 7, "minute": 29}
